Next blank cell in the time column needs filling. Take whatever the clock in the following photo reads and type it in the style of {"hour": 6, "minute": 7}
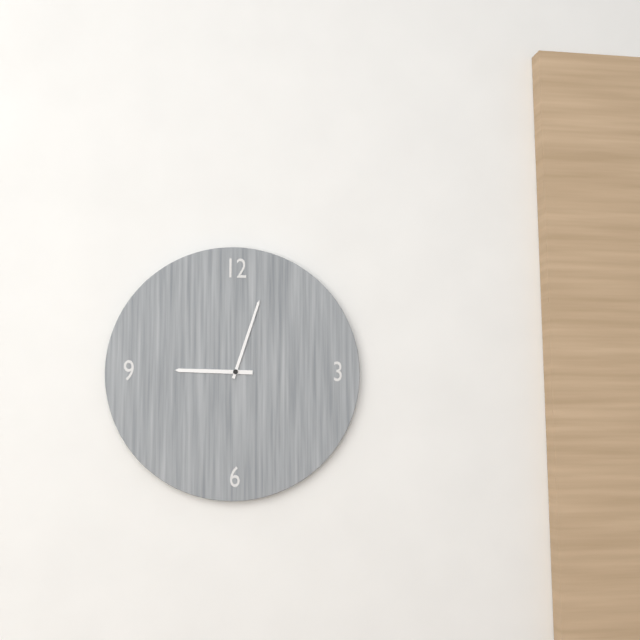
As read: {"hour": 9, "minute": 3}
